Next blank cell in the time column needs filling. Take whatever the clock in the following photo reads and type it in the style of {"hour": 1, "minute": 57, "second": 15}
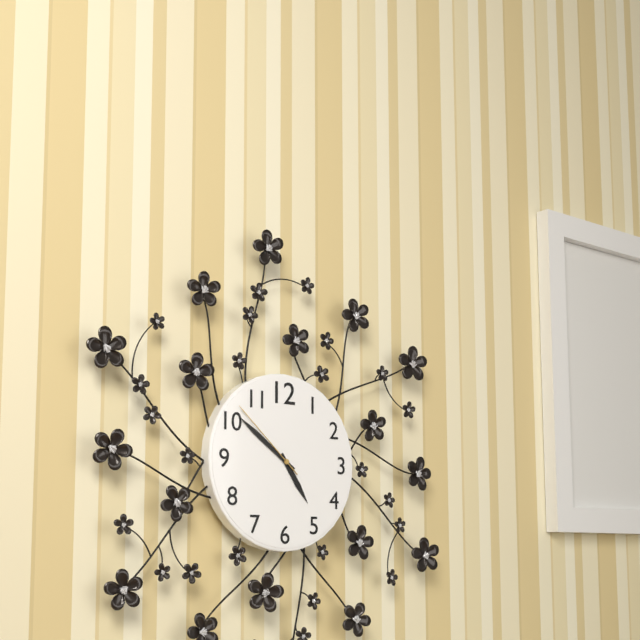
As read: {"hour": 4, "minute": 51, "second": 52}
